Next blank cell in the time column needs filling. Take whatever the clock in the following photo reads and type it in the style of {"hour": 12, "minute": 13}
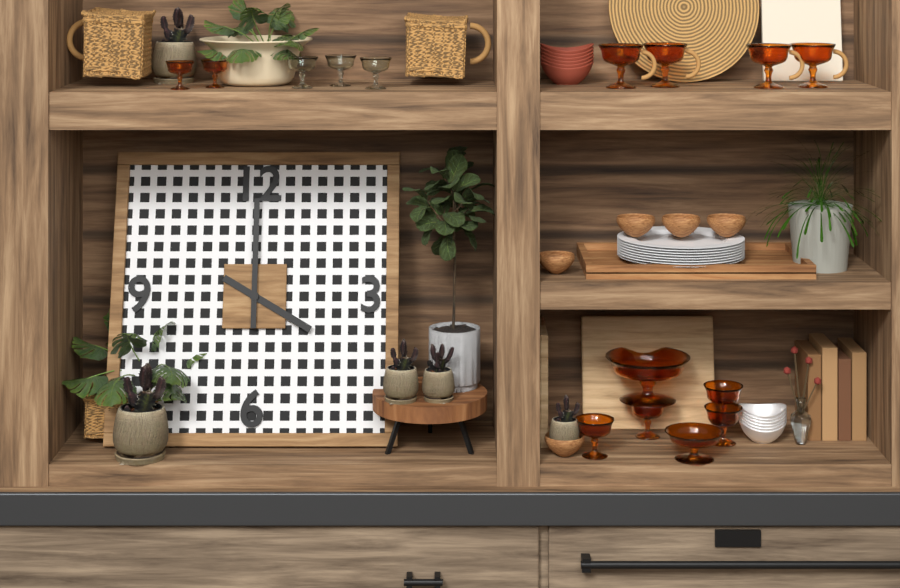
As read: {"hour": 4, "minute": 0}
